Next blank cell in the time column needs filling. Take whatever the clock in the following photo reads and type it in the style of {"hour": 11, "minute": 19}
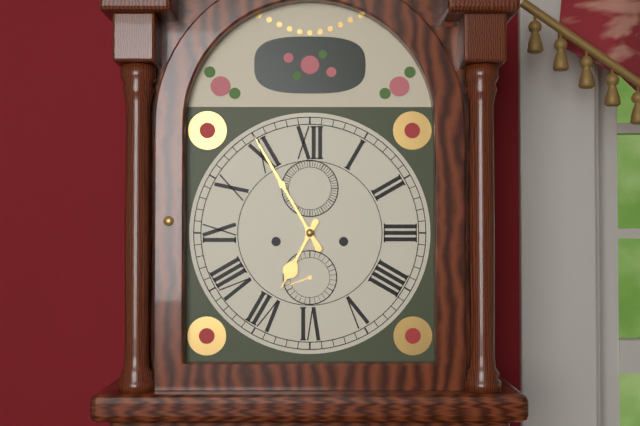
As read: {"hour": 6, "minute": 55}
